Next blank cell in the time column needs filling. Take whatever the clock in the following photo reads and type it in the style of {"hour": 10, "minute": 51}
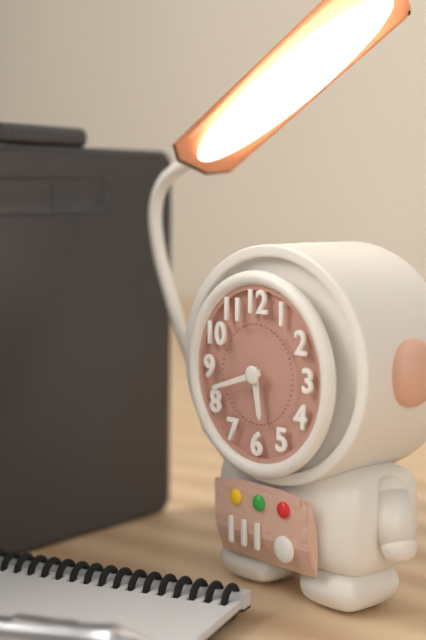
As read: {"hour": 5, "minute": 42}
